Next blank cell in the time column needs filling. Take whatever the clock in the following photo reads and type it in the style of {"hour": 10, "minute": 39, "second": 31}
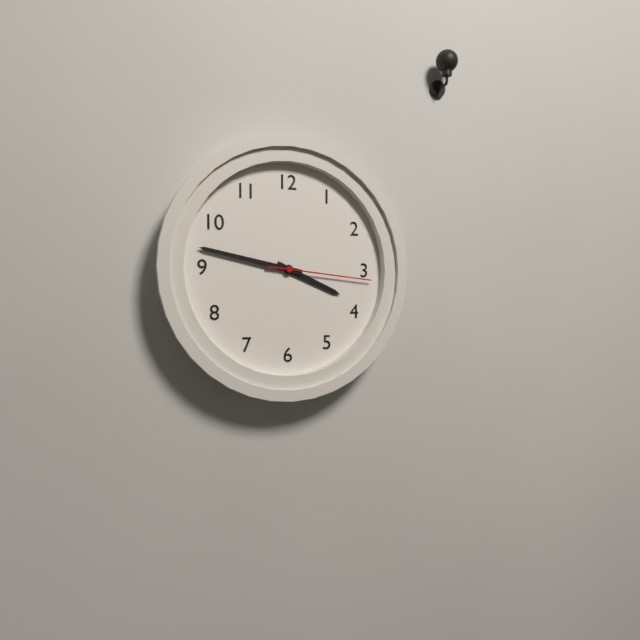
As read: {"hour": 3, "minute": 47, "second": 16}
